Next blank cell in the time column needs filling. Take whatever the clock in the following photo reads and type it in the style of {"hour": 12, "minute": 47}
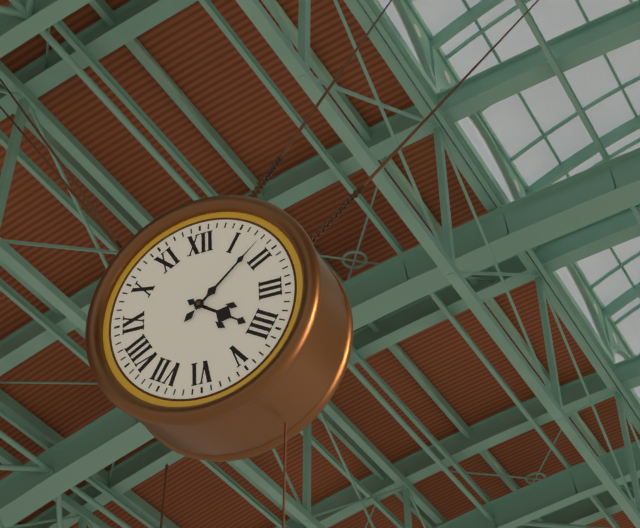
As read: {"hour": 4, "minute": 8}
